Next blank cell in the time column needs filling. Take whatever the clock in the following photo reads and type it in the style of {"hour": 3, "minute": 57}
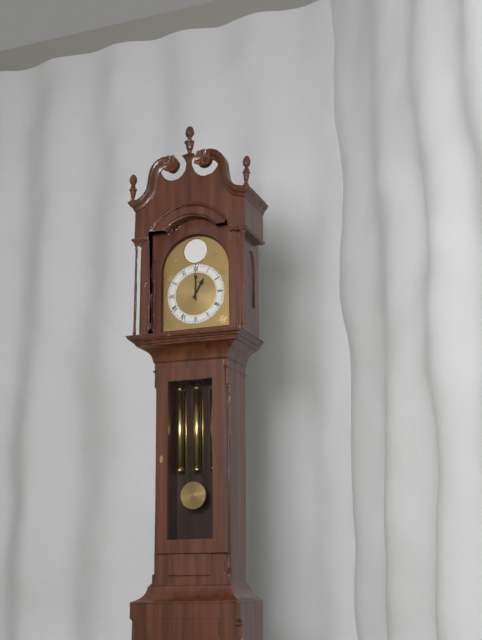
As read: {"hour": 1, "minute": 0}
